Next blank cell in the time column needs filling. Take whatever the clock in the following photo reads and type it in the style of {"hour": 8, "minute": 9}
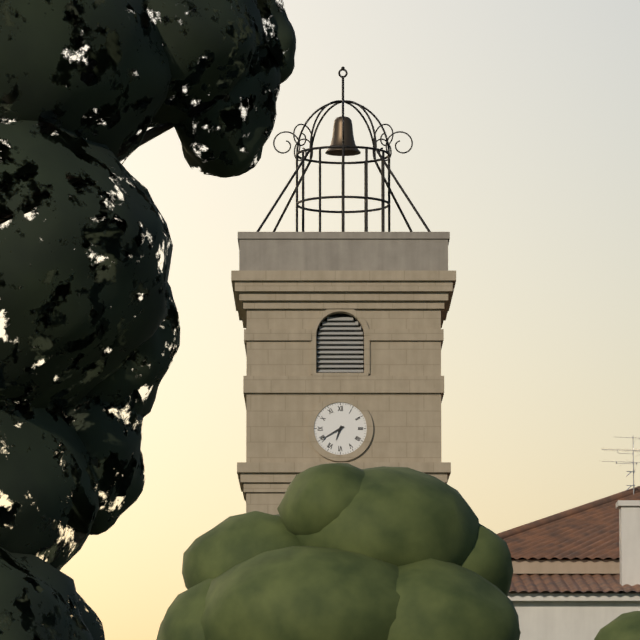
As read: {"hour": 6, "minute": 40}
